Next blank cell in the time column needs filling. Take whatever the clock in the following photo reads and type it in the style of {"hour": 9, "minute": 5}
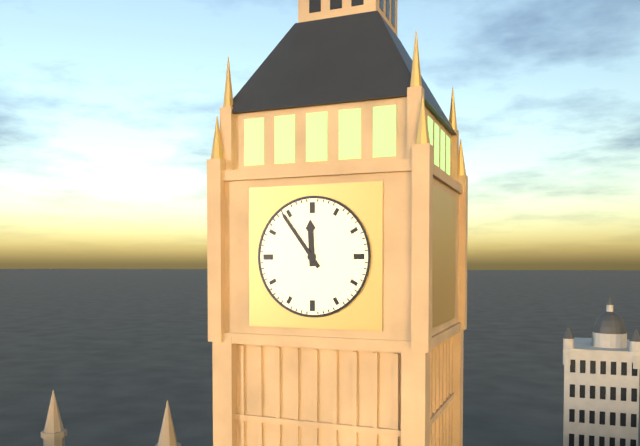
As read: {"hour": 11, "minute": 54}
